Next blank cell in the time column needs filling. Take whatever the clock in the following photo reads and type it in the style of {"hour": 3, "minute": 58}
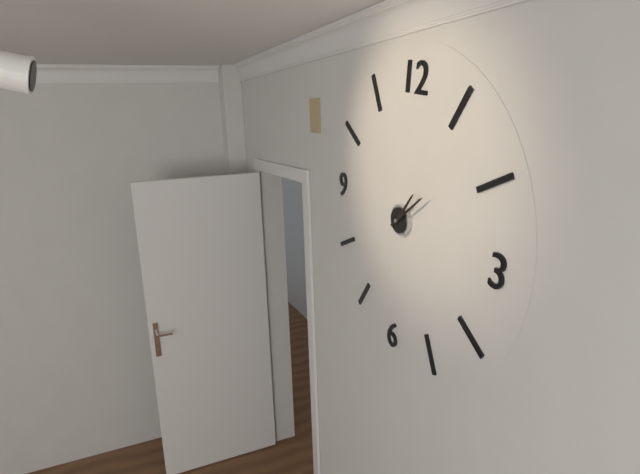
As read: {"hour": 1, "minute": 8}
